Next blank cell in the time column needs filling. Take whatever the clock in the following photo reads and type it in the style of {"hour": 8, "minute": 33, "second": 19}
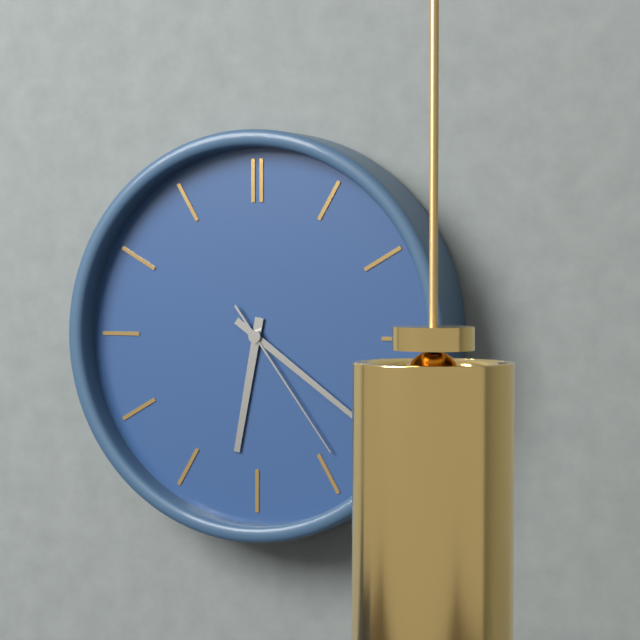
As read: {"hour": 6, "minute": 21, "second": 24}
